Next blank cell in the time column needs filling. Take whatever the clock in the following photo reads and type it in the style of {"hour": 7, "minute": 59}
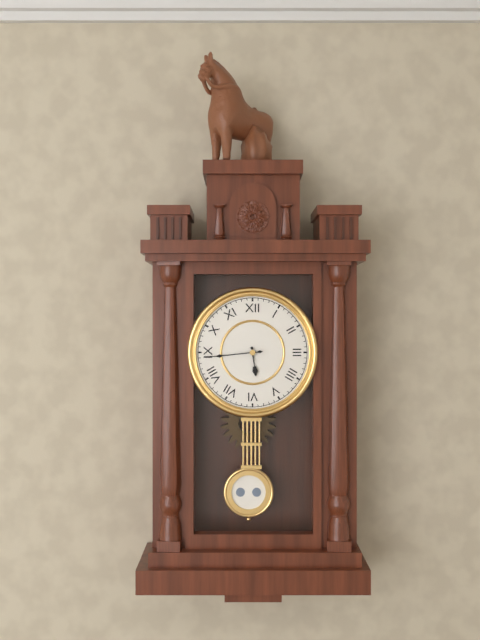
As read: {"hour": 5, "minute": 44}
